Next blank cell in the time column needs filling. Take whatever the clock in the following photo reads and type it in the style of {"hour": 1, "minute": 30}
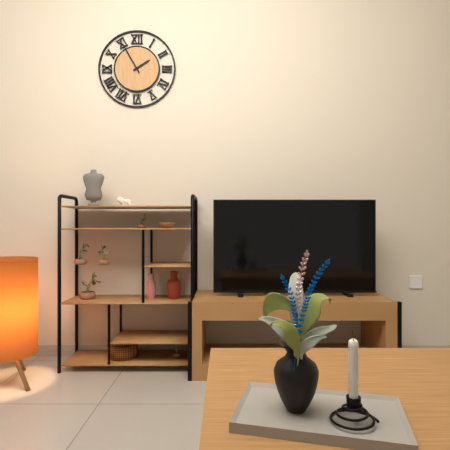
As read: {"hour": 1, "minute": 55}
